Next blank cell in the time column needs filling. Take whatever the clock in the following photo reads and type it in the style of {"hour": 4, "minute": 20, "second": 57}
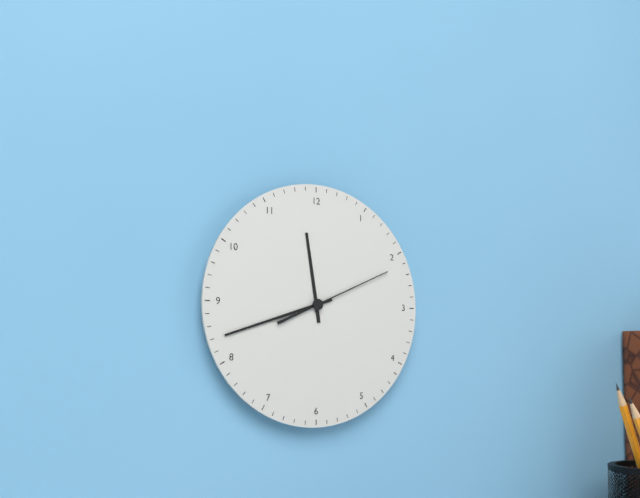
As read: {"hour": 11, "minute": 42, "second": 11}
